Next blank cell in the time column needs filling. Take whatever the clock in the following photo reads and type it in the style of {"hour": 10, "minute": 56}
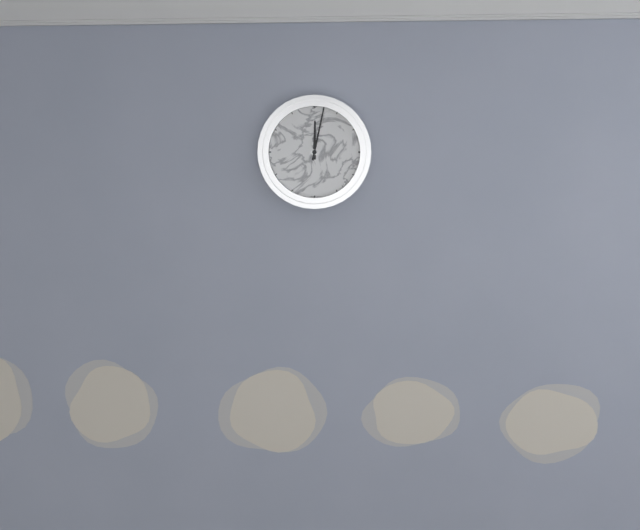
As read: {"hour": 12, "minute": 2}
